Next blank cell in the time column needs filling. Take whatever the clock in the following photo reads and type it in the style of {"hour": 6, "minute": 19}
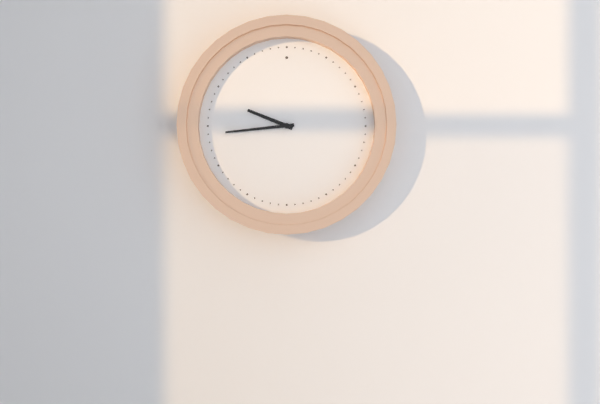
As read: {"hour": 9, "minute": 44}
